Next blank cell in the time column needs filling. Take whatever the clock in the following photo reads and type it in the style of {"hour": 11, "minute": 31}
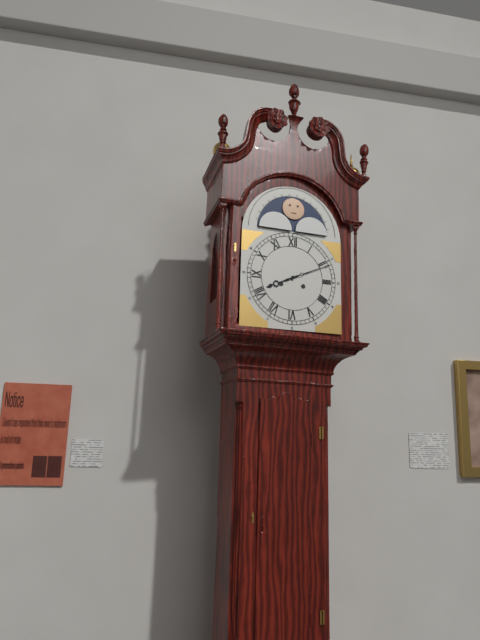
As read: {"hour": 8, "minute": 11}
